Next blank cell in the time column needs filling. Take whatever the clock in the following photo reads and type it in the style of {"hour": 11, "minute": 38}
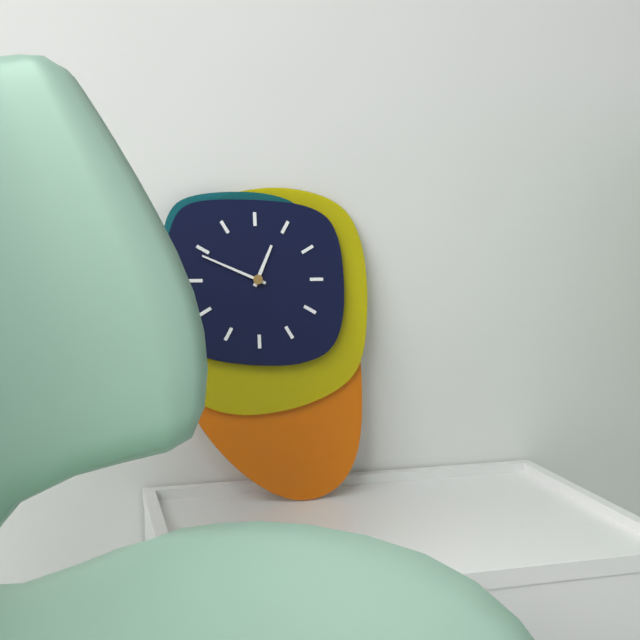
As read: {"hour": 12, "minute": 49}
